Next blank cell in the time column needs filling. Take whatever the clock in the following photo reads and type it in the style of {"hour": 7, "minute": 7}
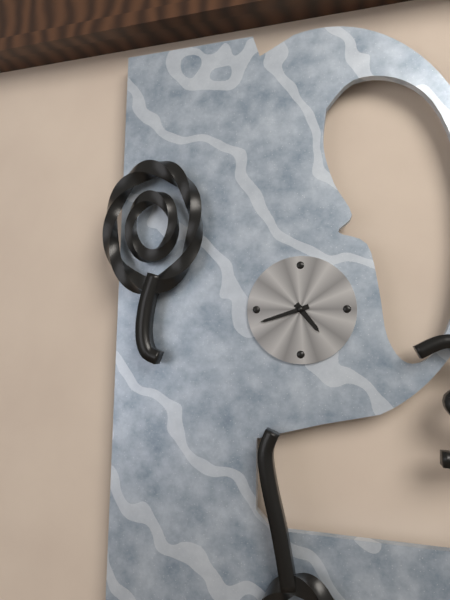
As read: {"hour": 4, "minute": 42}
